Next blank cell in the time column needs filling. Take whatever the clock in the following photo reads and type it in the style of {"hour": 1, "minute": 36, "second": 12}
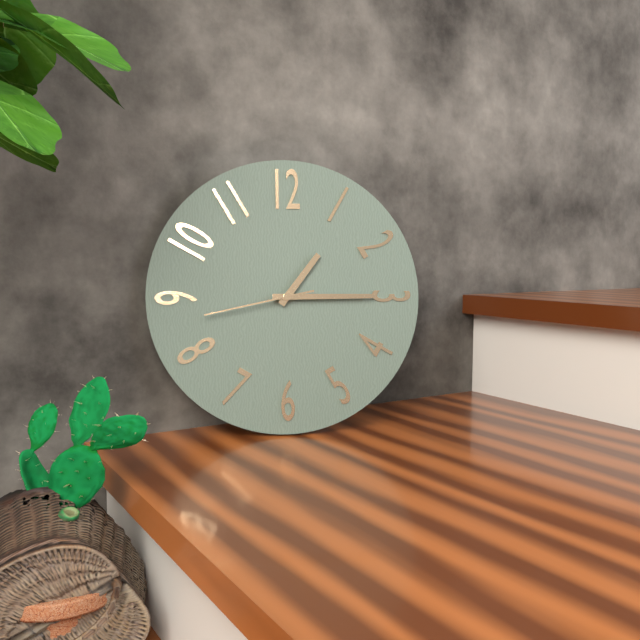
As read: {"hour": 1, "minute": 15, "second": 43}
